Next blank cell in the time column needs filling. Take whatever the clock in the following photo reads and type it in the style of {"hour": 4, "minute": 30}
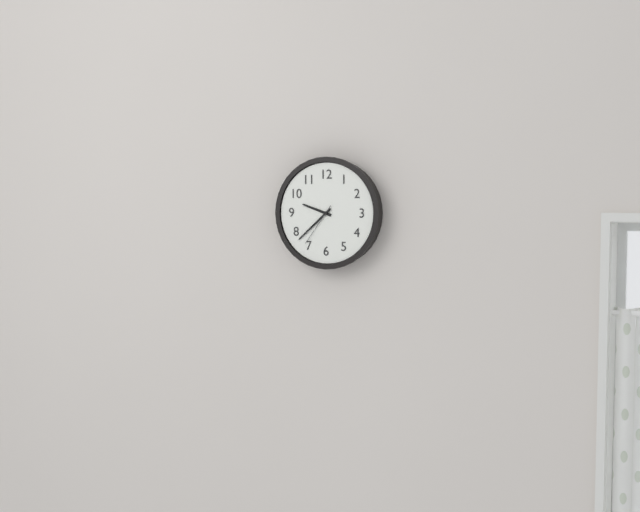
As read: {"hour": 9, "minute": 38}
